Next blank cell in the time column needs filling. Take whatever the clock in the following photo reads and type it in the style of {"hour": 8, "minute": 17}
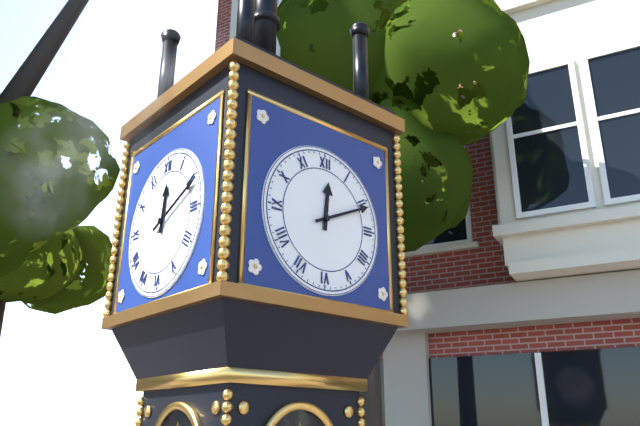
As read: {"hour": 12, "minute": 11}
